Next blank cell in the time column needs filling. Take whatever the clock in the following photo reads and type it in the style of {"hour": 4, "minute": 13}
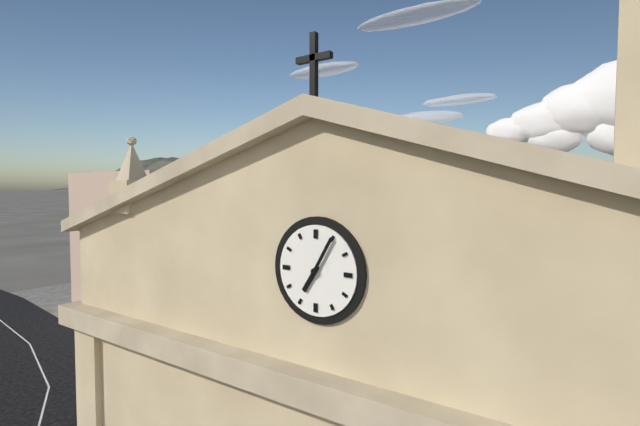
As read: {"hour": 7, "minute": 5}
